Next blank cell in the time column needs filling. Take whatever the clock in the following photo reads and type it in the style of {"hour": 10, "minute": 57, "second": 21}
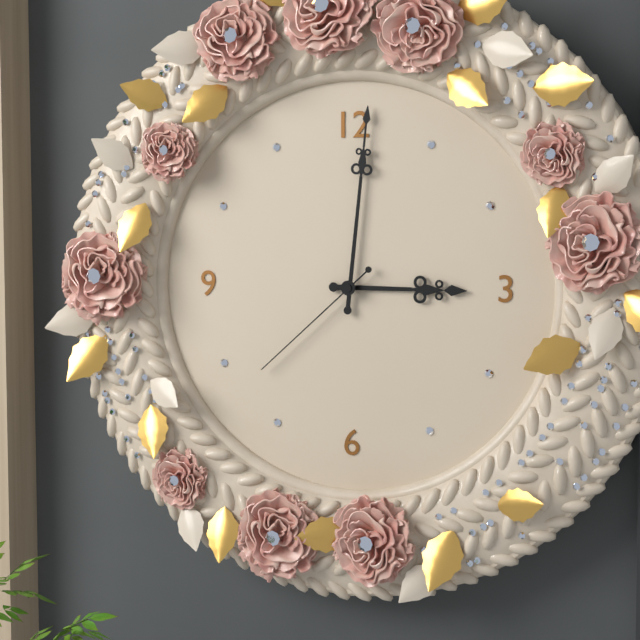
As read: {"hour": 3, "minute": 1, "second": 38}
